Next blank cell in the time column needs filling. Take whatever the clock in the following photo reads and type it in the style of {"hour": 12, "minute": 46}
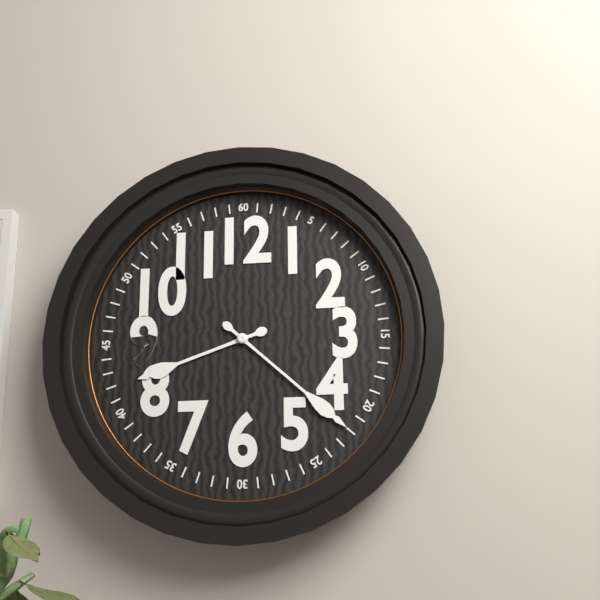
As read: {"hour": 8, "minute": 22}
